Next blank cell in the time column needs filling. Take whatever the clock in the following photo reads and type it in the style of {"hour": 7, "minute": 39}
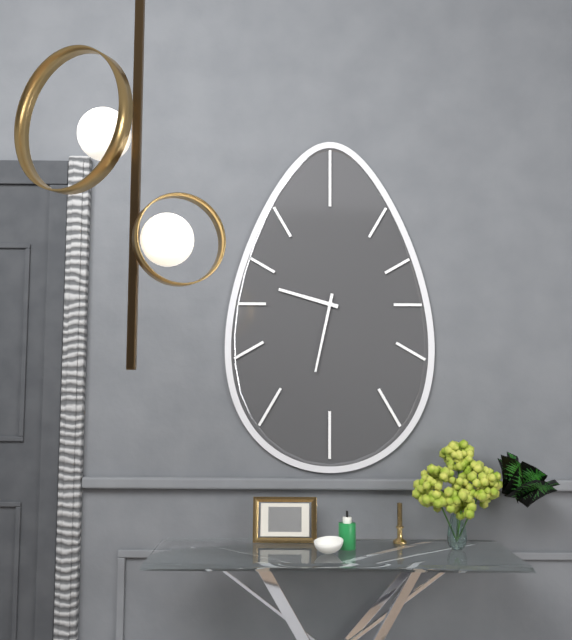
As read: {"hour": 9, "minute": 32}
